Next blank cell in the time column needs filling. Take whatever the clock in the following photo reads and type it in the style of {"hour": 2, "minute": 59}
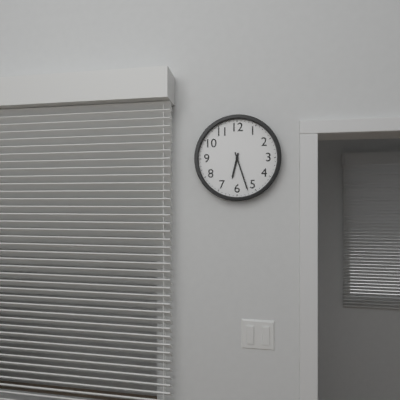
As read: {"hour": 6, "minute": 27}
